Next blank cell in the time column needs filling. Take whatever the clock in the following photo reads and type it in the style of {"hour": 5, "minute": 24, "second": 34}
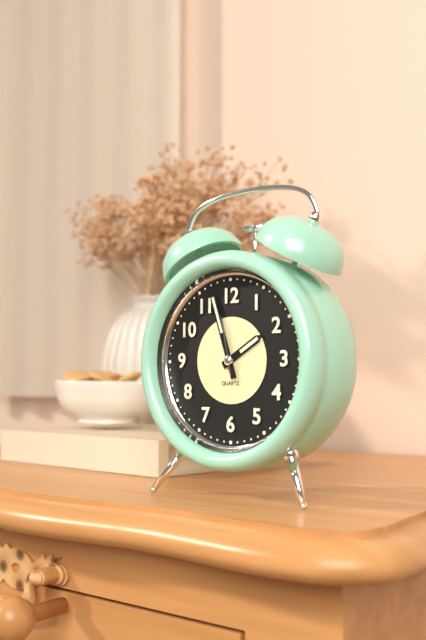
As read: {"hour": 1, "minute": 57, "second": 58}
